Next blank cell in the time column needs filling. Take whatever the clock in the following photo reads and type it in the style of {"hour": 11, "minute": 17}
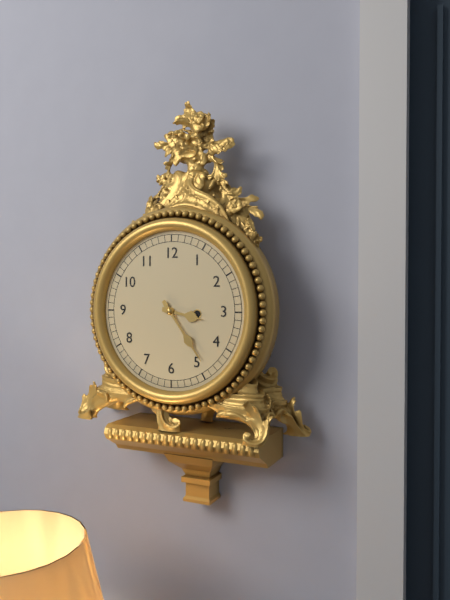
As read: {"hour": 3, "minute": 24}
